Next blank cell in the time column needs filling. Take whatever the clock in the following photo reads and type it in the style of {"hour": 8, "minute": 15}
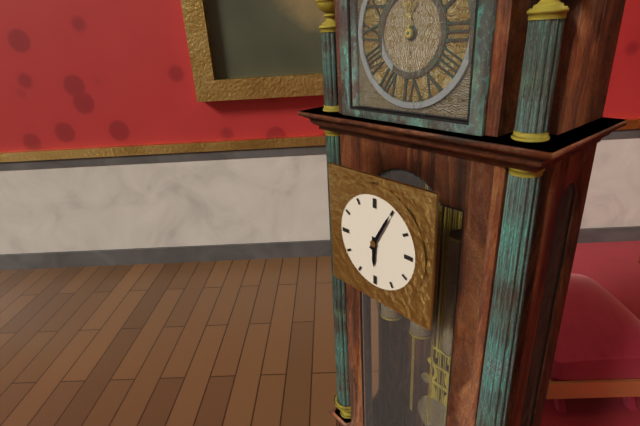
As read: {"hour": 6, "minute": 5}
